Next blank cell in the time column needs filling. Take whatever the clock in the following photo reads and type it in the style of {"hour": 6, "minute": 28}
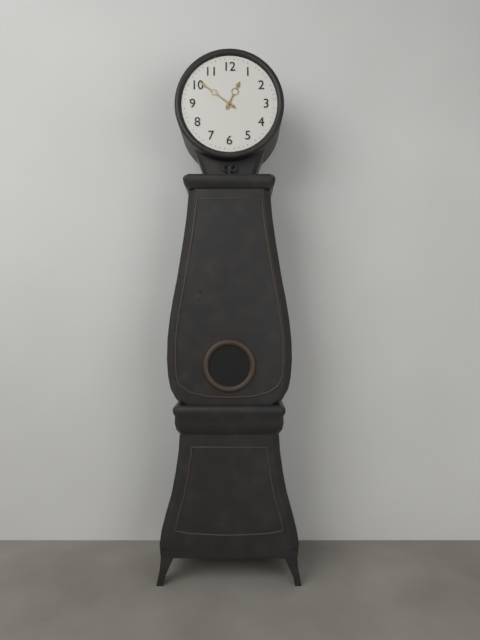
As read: {"hour": 12, "minute": 51}
